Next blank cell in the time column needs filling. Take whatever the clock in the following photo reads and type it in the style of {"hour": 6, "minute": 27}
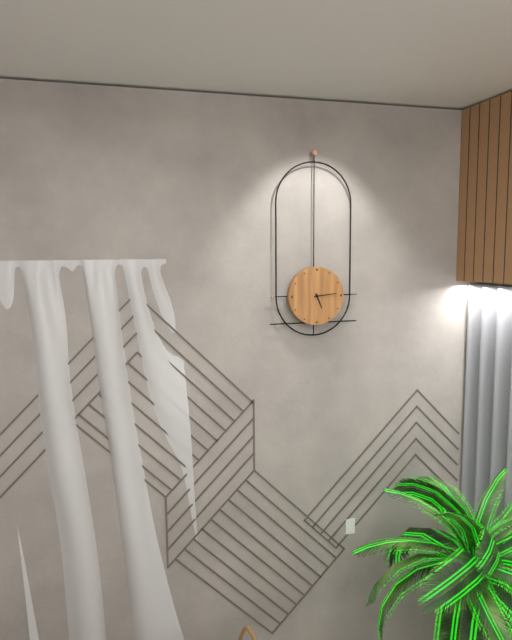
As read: {"hour": 5, "minute": 14}
